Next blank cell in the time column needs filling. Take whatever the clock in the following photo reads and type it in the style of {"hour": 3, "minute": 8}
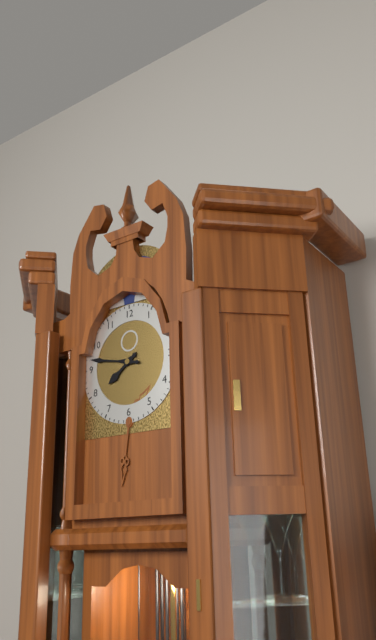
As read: {"hour": 7, "minute": 47}
